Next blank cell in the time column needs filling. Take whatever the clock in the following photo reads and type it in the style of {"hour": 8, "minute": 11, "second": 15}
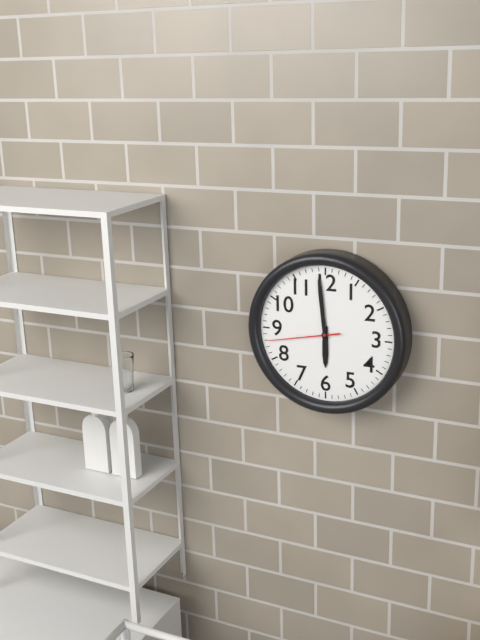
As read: {"hour": 5, "minute": 59, "second": 43}
